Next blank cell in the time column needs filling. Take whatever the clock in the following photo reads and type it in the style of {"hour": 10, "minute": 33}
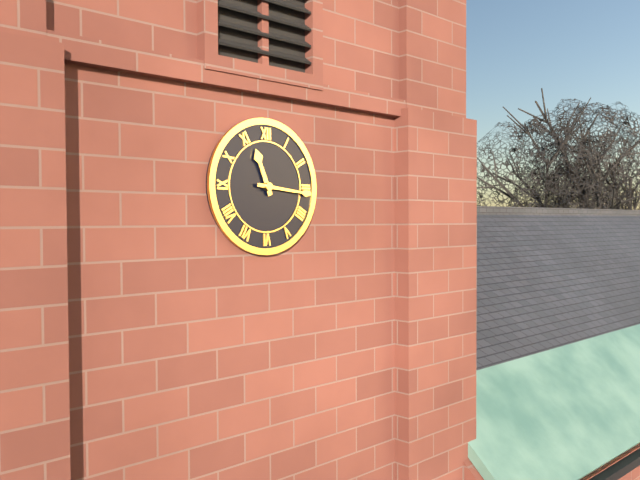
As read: {"hour": 11, "minute": 16}
